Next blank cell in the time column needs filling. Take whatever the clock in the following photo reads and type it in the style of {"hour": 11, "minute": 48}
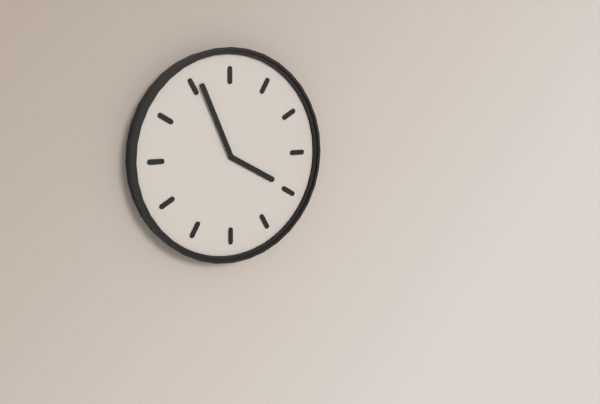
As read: {"hour": 3, "minute": 56}
